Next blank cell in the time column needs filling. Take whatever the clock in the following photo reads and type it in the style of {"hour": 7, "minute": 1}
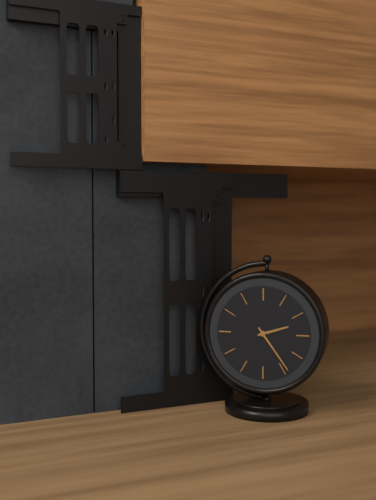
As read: {"hour": 2, "minute": 24}
